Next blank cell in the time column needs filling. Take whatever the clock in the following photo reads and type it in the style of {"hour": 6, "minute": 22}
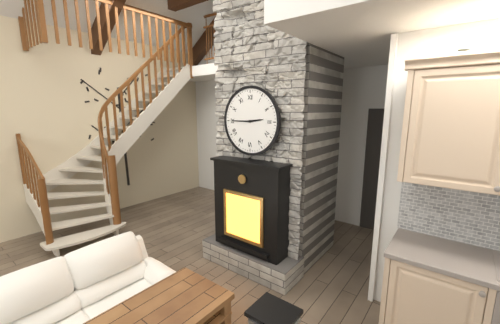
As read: {"hour": 2, "minute": 45}
